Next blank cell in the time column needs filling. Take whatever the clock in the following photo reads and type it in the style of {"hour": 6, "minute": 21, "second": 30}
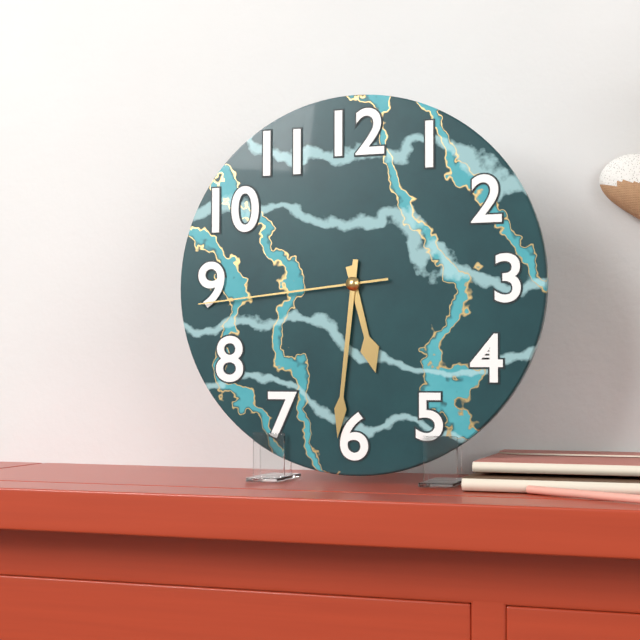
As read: {"hour": 5, "minute": 31, "second": 44}
